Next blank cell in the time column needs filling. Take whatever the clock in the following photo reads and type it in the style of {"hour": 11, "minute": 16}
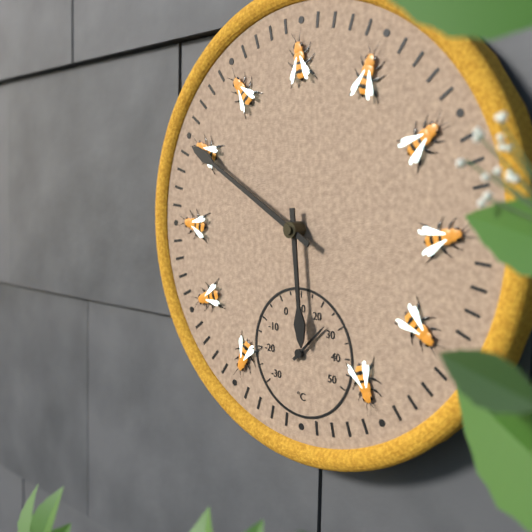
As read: {"hour": 5, "minute": 50}
